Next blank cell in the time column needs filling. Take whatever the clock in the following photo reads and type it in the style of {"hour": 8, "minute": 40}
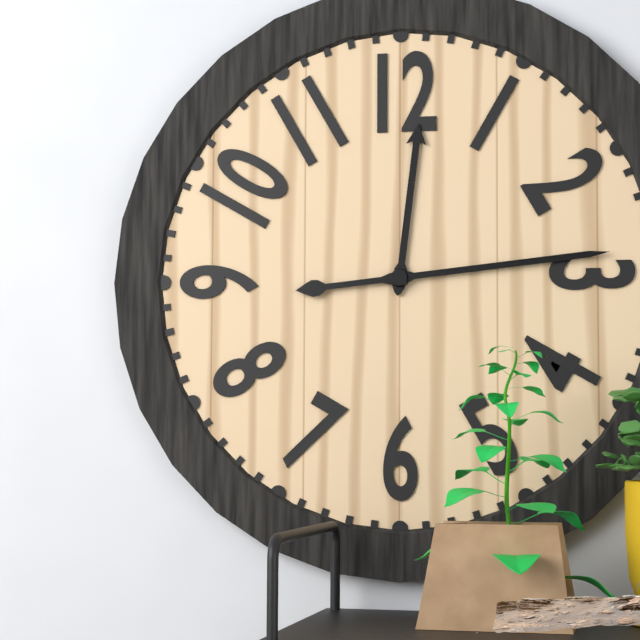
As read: {"hour": 12, "minute": 14}
